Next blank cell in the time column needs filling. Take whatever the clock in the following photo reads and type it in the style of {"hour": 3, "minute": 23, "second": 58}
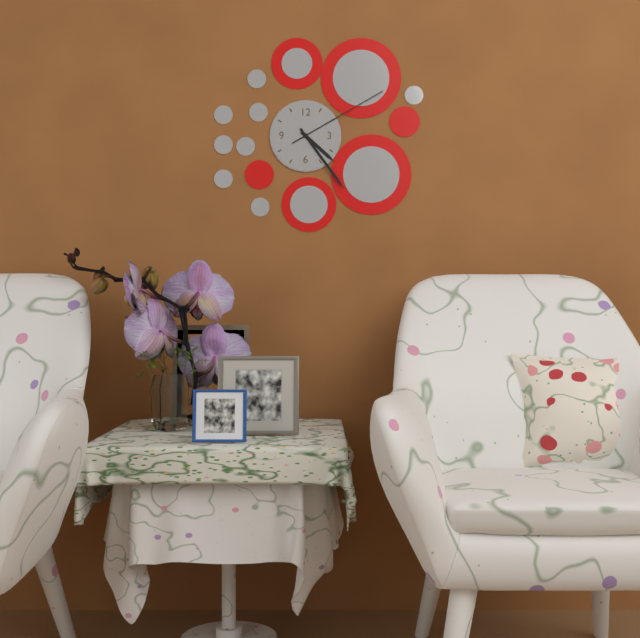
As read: {"hour": 4, "minute": 24, "second": 10}
